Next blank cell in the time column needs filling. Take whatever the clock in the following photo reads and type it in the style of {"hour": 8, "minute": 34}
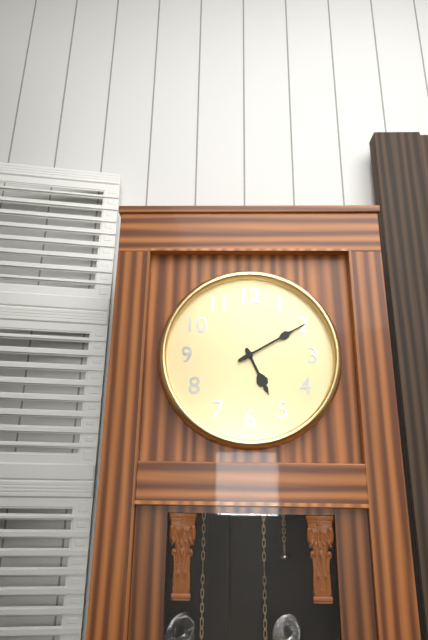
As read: {"hour": 5, "minute": 10}
